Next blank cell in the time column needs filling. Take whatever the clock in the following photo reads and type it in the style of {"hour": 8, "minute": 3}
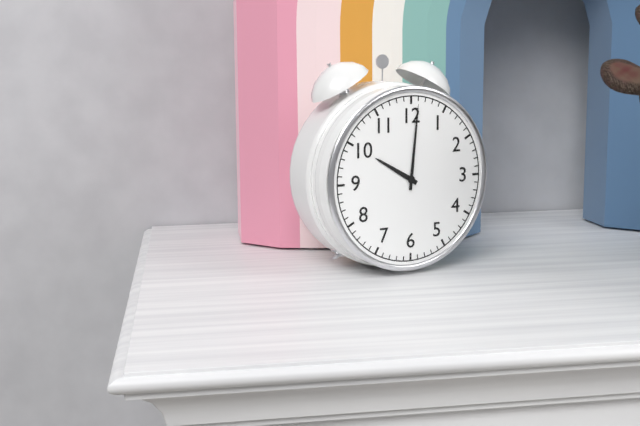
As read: {"hour": 10, "minute": 1}
